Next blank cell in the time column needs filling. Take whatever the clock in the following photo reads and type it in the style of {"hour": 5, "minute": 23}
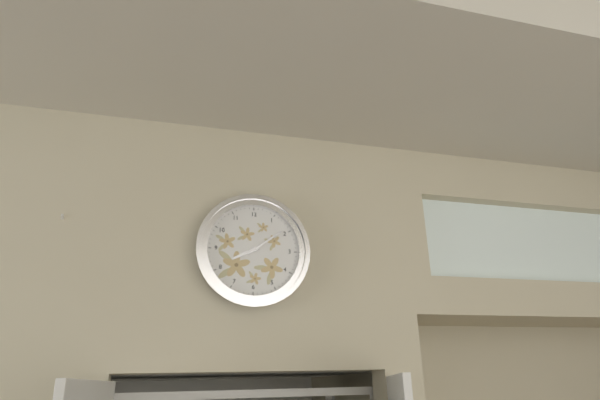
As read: {"hour": 8, "minute": 9}
